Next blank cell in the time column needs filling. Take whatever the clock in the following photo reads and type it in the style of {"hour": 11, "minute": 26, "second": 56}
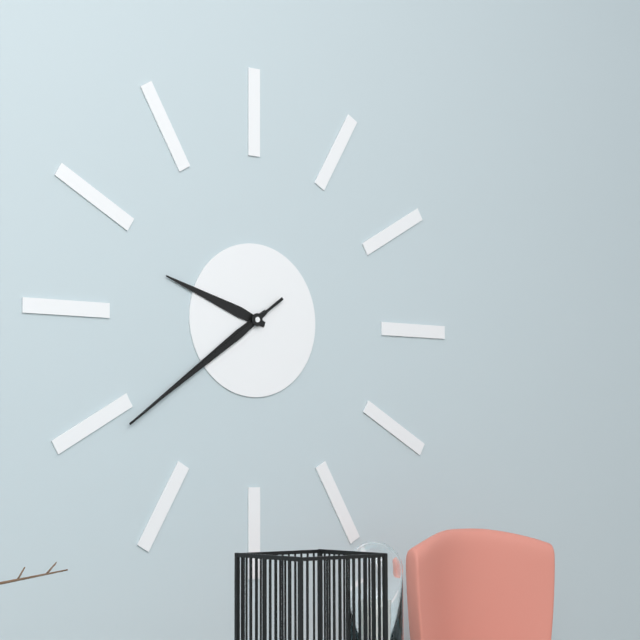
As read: {"hour": 9, "minute": 39, "second": 39}
